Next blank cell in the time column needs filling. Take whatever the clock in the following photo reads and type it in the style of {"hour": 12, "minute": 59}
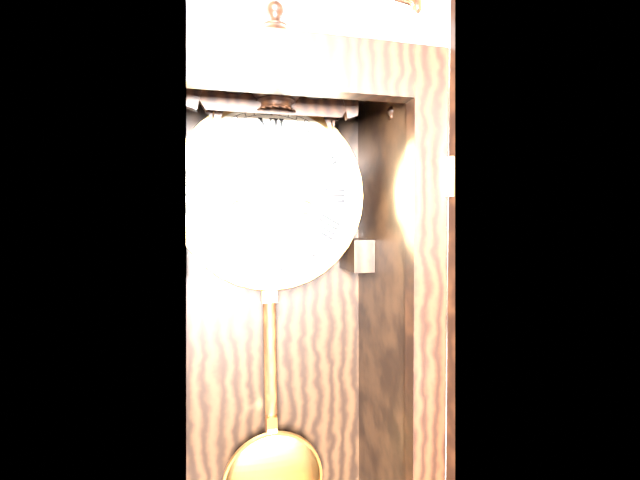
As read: {"hour": 1, "minute": 1}
